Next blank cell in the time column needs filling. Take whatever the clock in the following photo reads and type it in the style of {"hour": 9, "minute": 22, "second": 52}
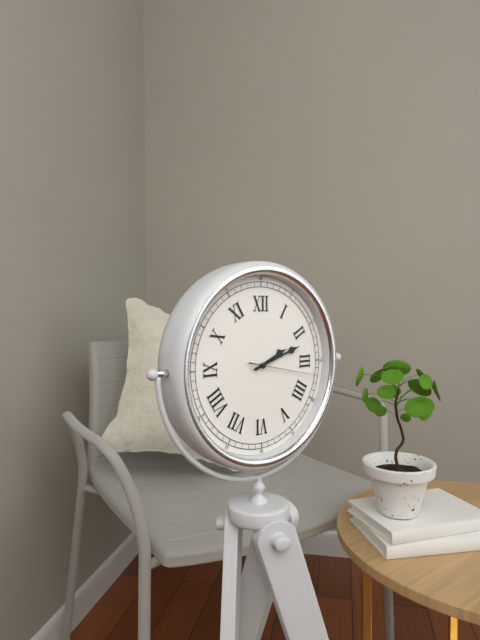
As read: {"hour": 2, "minute": 12, "second": 17}
